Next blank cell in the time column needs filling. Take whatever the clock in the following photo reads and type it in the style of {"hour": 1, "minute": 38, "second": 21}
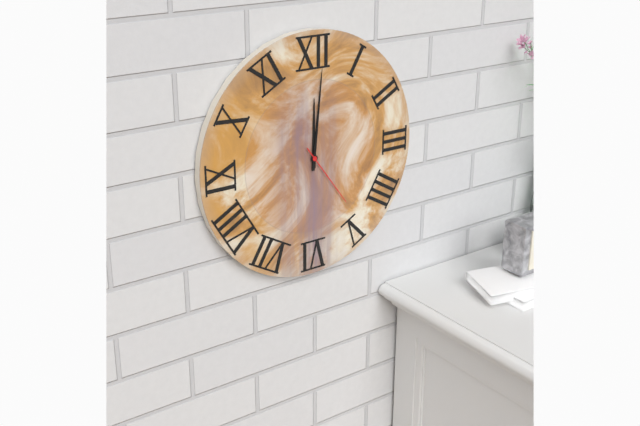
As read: {"hour": 12, "minute": 1, "second": 24}
